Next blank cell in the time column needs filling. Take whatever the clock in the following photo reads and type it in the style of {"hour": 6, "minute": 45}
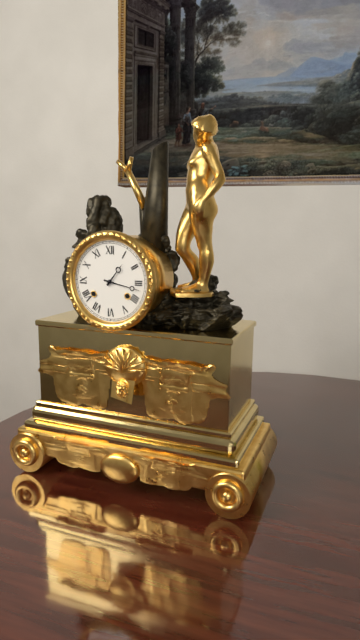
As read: {"hour": 1, "minute": 17}
